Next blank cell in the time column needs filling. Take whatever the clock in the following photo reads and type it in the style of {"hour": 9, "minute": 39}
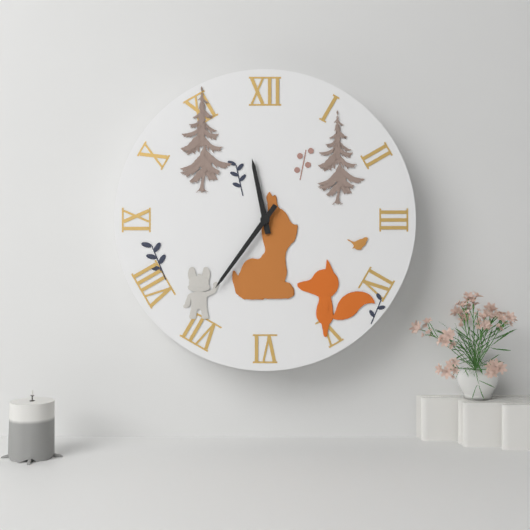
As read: {"hour": 11, "minute": 36}
